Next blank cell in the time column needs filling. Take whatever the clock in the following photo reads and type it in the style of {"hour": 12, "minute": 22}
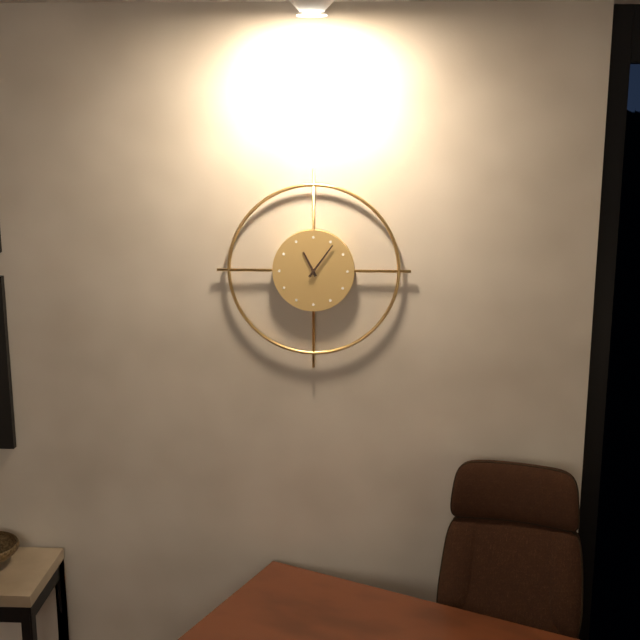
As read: {"hour": 11, "minute": 6}
